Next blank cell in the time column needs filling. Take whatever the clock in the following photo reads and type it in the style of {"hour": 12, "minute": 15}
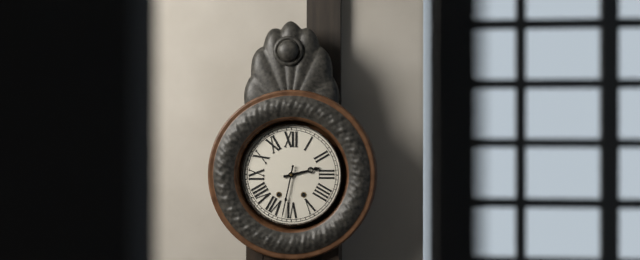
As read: {"hour": 2, "minute": 32}
